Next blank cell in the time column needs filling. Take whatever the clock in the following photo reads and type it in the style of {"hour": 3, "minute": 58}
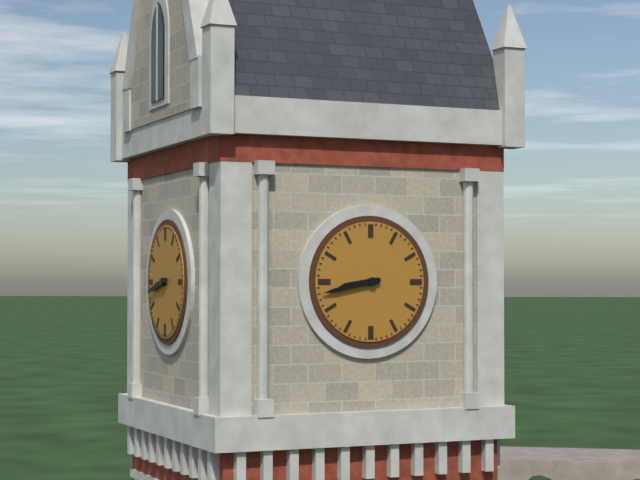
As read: {"hour": 8, "minute": 43}
